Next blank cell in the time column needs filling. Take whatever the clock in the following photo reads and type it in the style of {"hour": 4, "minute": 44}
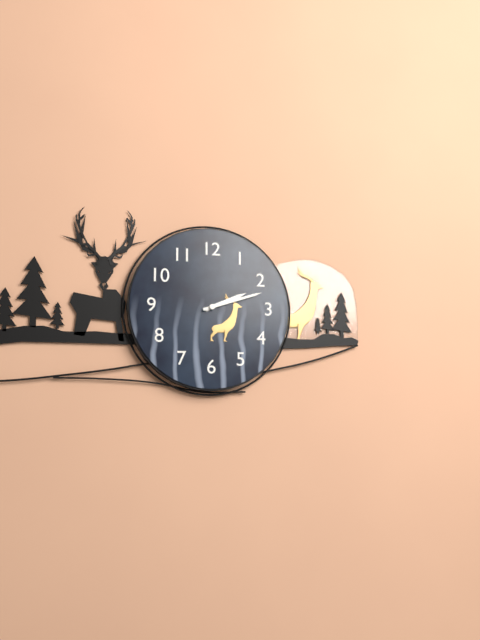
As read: {"hour": 2, "minute": 12}
